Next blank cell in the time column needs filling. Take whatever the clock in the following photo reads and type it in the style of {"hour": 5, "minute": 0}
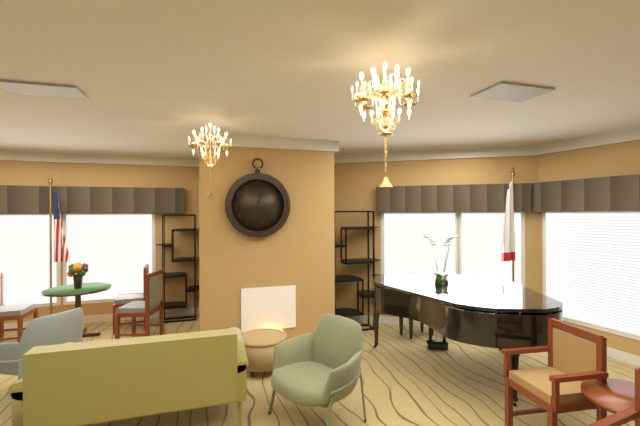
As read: {"hour": 12, "minute": 28}
